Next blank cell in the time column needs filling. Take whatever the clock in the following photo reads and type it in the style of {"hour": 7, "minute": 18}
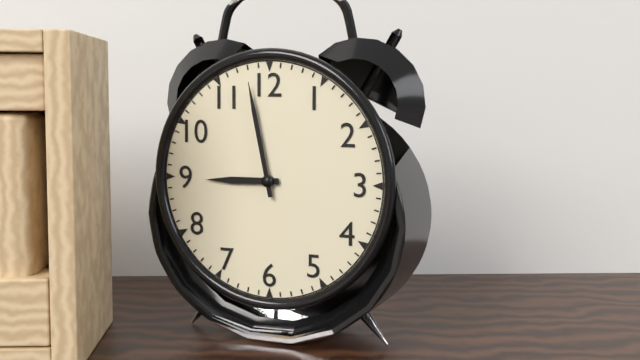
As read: {"hour": 8, "minute": 58}
